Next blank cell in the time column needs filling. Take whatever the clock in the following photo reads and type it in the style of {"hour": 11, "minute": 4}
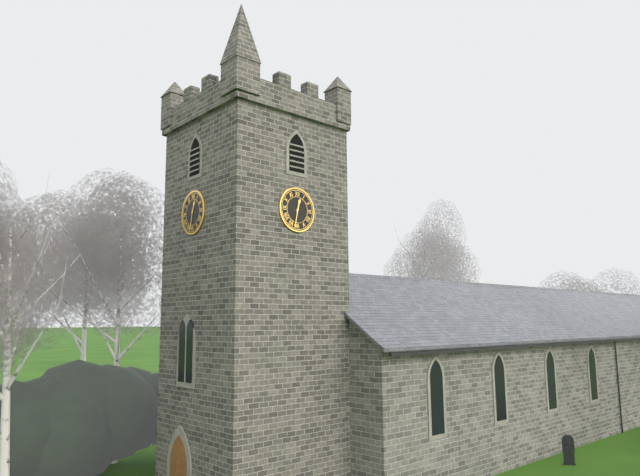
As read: {"hour": 12, "minute": 32}
